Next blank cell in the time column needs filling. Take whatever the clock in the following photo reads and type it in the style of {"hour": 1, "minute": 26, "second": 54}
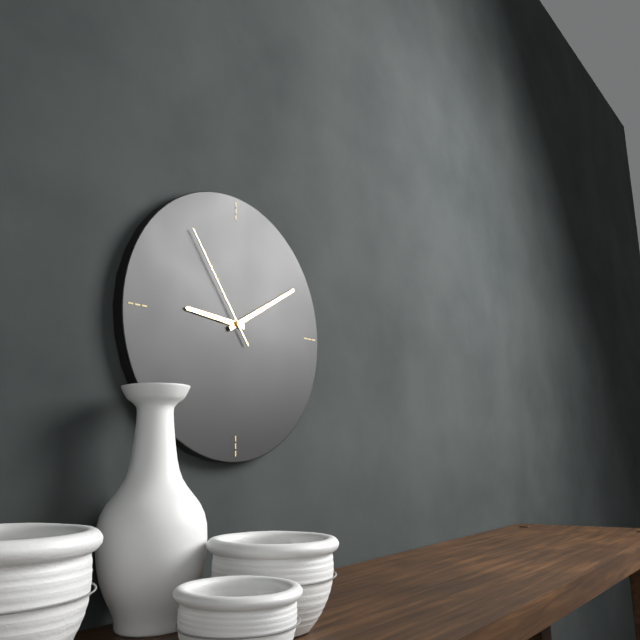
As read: {"hour": 9, "minute": 10, "second": 54}
